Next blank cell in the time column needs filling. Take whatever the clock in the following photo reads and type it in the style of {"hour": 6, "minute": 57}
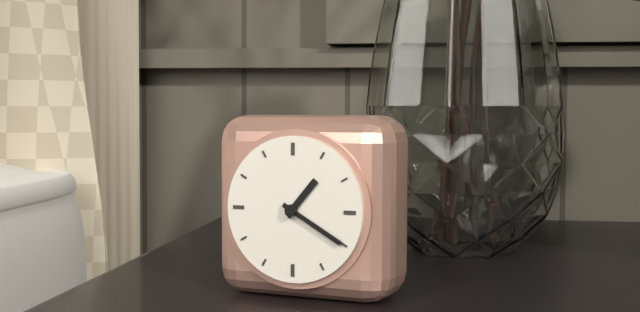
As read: {"hour": 1, "minute": 20}
